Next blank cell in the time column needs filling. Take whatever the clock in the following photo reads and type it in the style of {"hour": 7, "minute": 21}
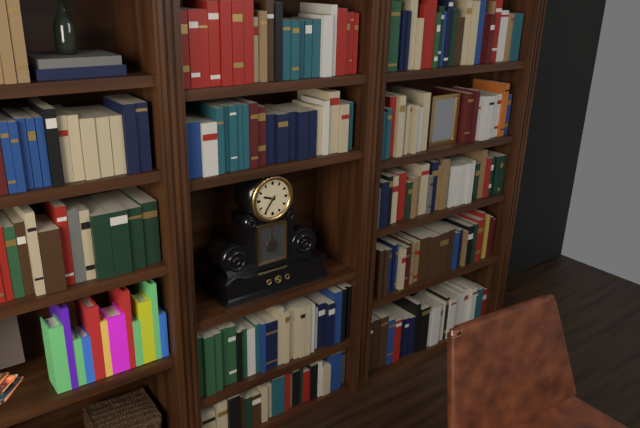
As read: {"hour": 9, "minute": 36}
